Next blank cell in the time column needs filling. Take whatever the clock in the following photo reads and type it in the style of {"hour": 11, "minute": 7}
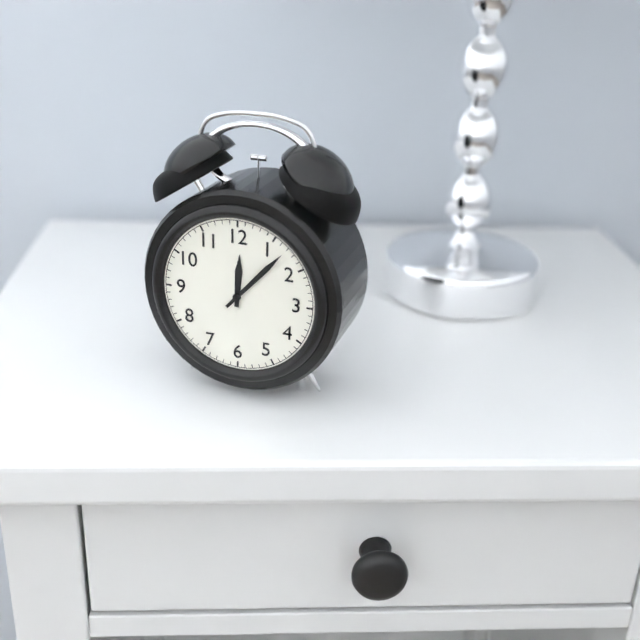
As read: {"hour": 12, "minute": 7}
